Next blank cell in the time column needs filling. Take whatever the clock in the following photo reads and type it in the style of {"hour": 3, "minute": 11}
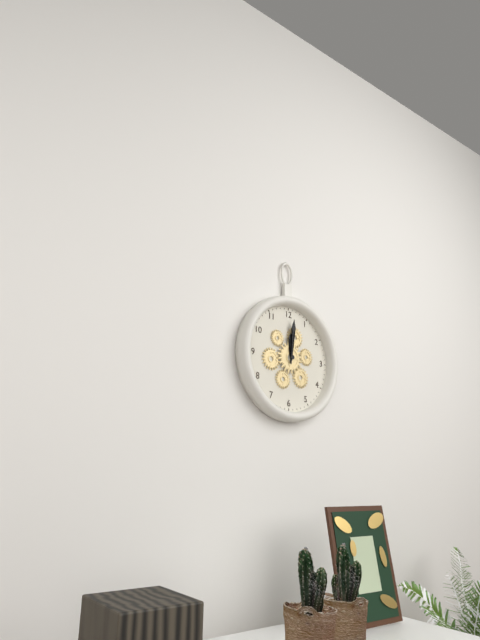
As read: {"hour": 12, "minute": 1}
